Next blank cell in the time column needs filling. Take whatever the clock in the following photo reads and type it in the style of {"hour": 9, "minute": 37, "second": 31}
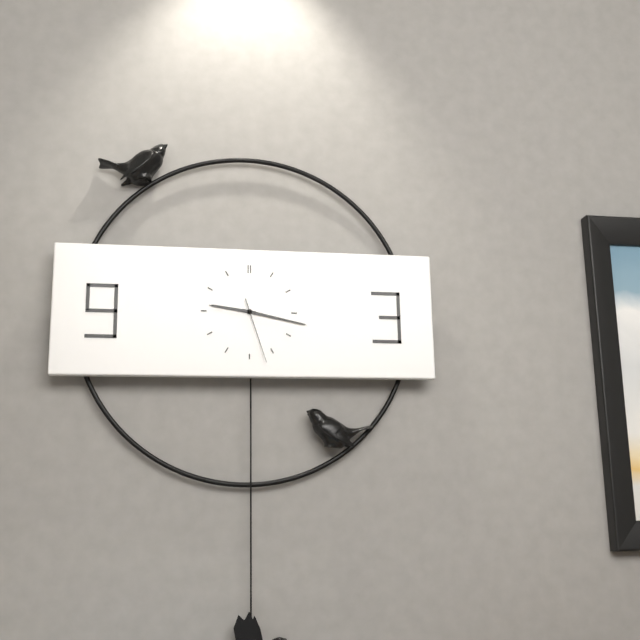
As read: {"hour": 9, "minute": 17, "second": 27}
